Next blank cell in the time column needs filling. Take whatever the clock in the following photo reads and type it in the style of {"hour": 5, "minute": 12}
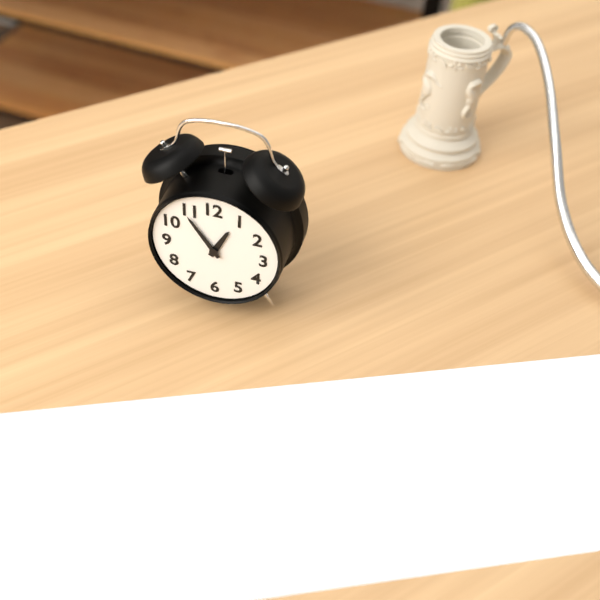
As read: {"hour": 12, "minute": 54}
